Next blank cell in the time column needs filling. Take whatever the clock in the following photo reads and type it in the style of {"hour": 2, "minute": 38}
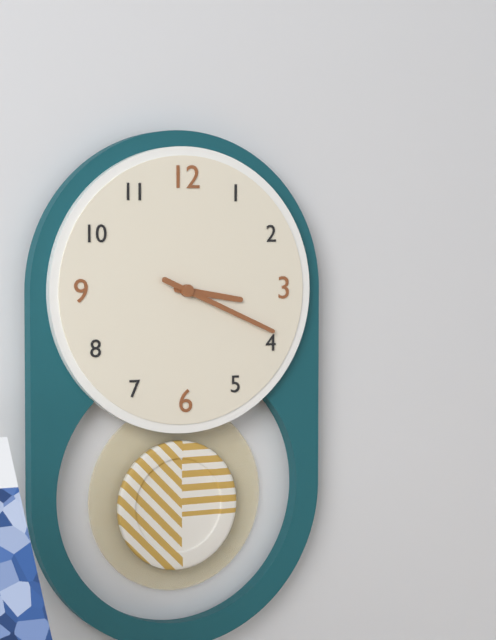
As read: {"hour": 3, "minute": 19}
